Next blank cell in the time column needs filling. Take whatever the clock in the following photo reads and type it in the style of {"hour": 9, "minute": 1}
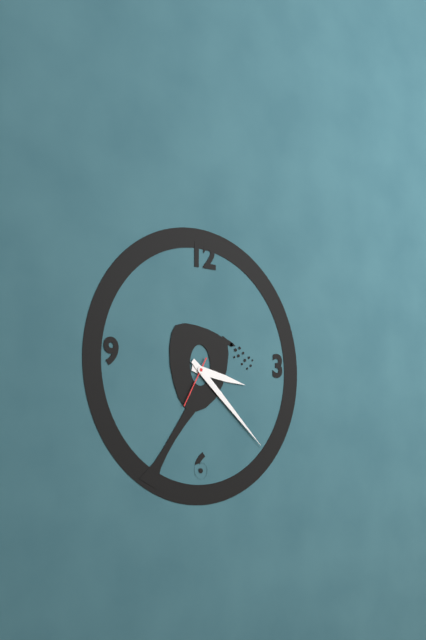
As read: {"hour": 3, "minute": 22}
